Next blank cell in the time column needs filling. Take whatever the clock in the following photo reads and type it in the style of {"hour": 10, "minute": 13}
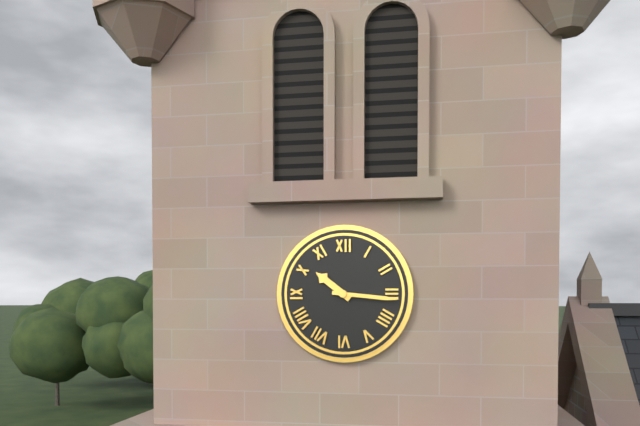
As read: {"hour": 10, "minute": 16}
